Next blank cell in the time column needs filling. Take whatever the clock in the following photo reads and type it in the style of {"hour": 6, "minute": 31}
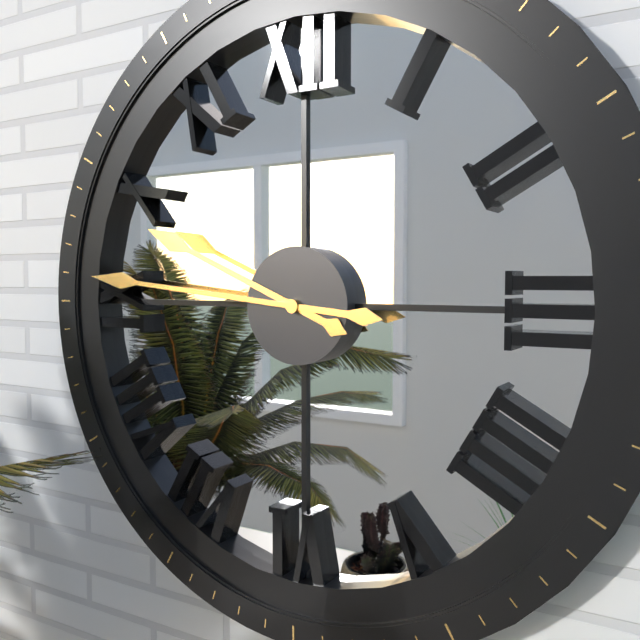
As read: {"hour": 9, "minute": 46}
